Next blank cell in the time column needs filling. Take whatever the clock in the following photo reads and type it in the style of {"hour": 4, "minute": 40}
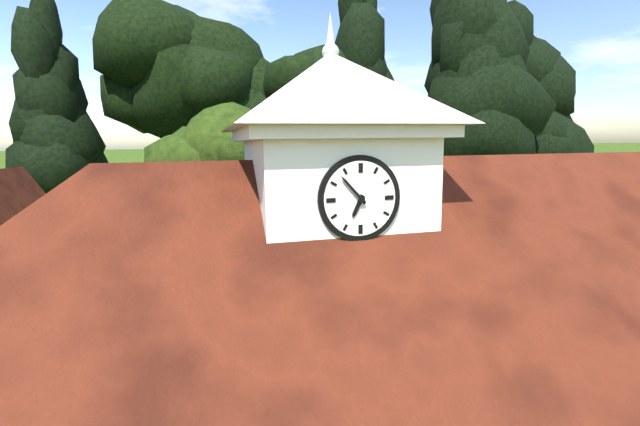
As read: {"hour": 6, "minute": 53}
